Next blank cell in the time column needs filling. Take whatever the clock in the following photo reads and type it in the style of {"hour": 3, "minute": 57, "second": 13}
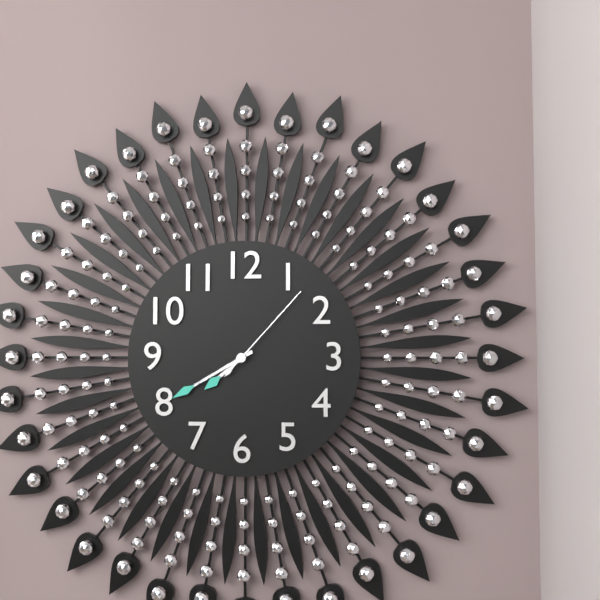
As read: {"hour": 7, "minute": 40, "second": 7}
